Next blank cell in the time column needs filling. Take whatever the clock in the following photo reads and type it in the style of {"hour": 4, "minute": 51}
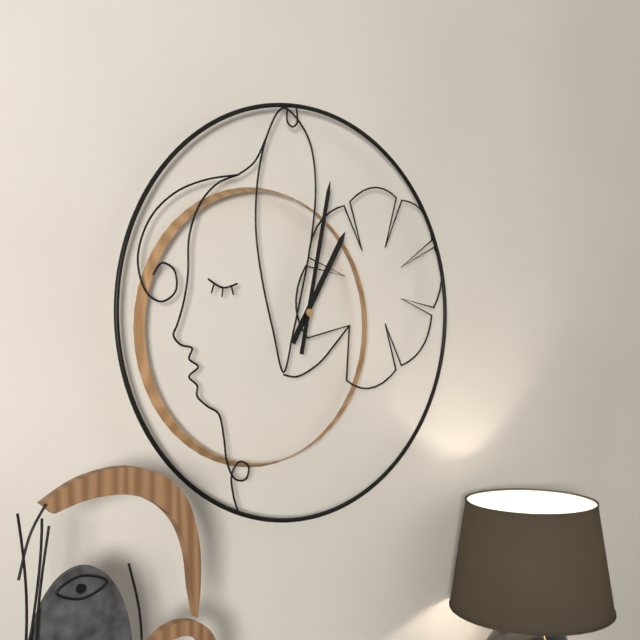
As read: {"hour": 1, "minute": 2}
